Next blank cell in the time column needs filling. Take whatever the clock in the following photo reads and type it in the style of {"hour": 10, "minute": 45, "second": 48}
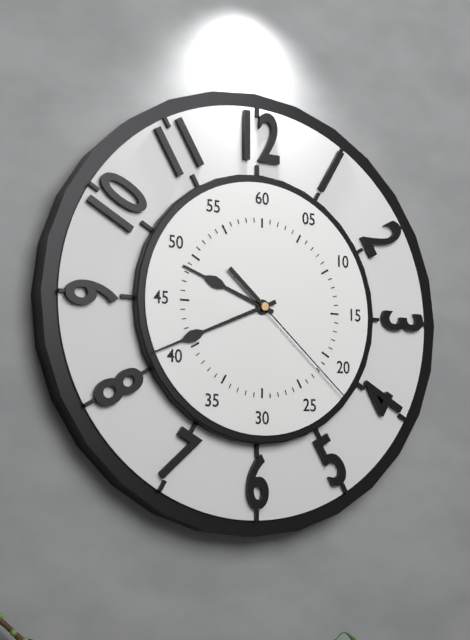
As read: {"hour": 9, "minute": 41, "second": 22}
